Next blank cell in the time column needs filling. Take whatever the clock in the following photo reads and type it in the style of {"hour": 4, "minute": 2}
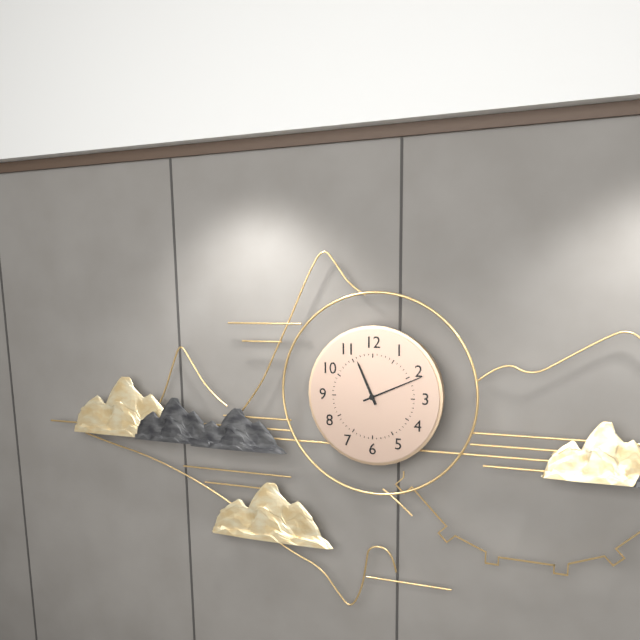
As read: {"hour": 11, "minute": 11}
